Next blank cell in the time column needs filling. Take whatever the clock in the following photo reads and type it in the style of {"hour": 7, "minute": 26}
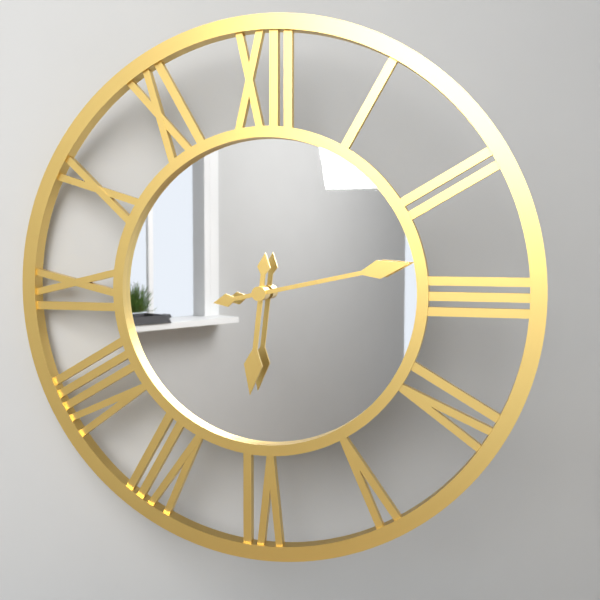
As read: {"hour": 6, "minute": 13}
